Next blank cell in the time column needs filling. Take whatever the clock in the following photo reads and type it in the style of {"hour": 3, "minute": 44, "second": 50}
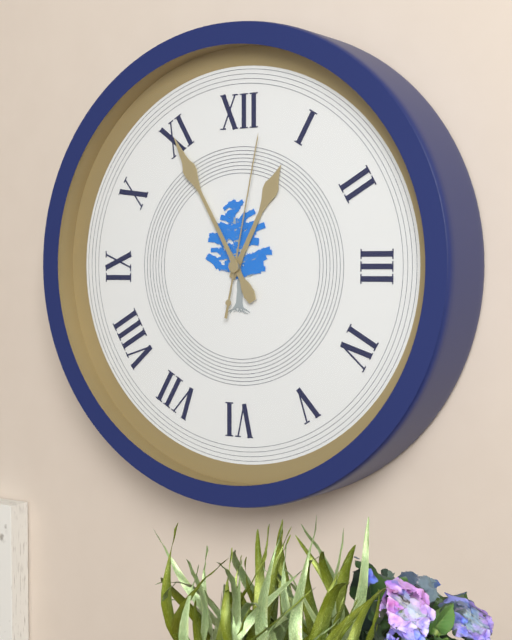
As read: {"hour": 12, "minute": 55, "second": 2}
